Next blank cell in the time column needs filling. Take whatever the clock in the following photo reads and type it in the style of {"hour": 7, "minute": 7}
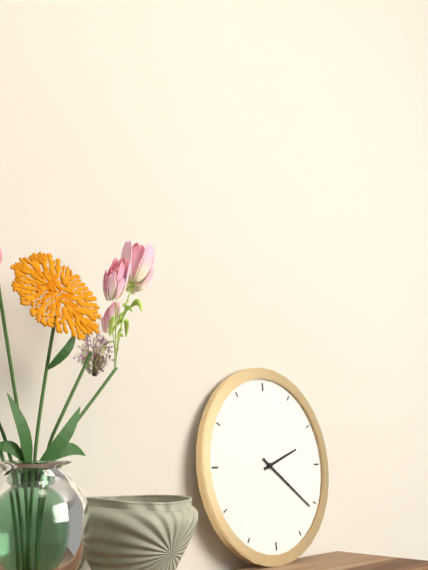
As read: {"hour": 2, "minute": 21}
